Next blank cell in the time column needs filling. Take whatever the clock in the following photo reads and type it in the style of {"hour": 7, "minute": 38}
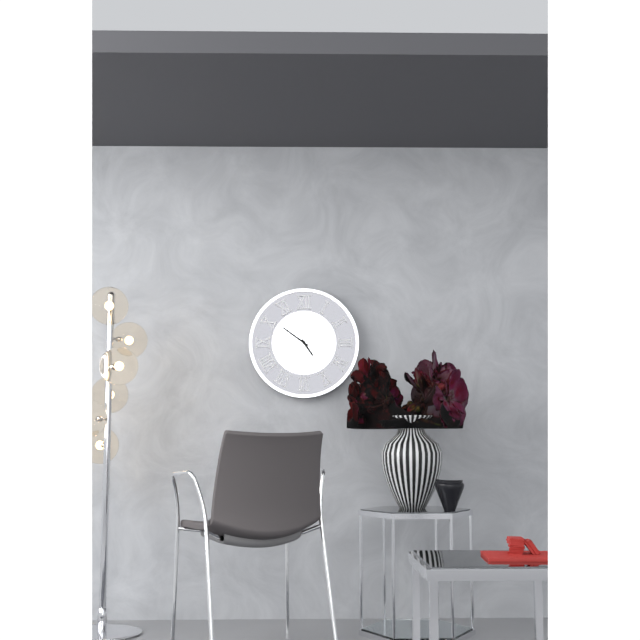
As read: {"hour": 4, "minute": 51}
